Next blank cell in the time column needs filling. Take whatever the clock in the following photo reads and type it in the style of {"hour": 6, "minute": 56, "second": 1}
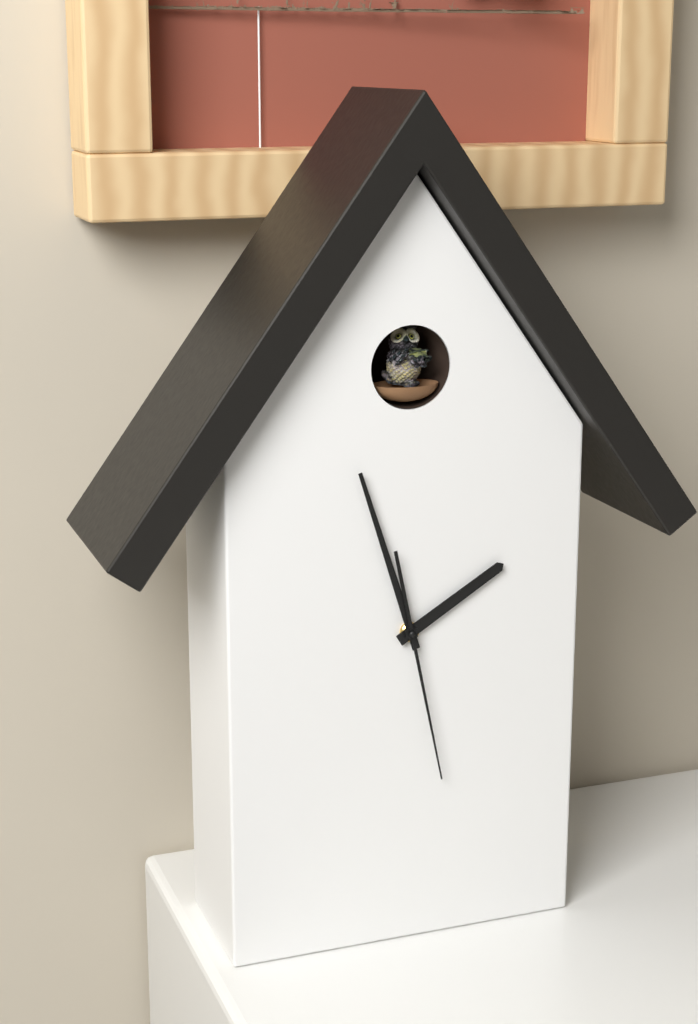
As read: {"hour": 1, "minute": 57, "second": 28}
